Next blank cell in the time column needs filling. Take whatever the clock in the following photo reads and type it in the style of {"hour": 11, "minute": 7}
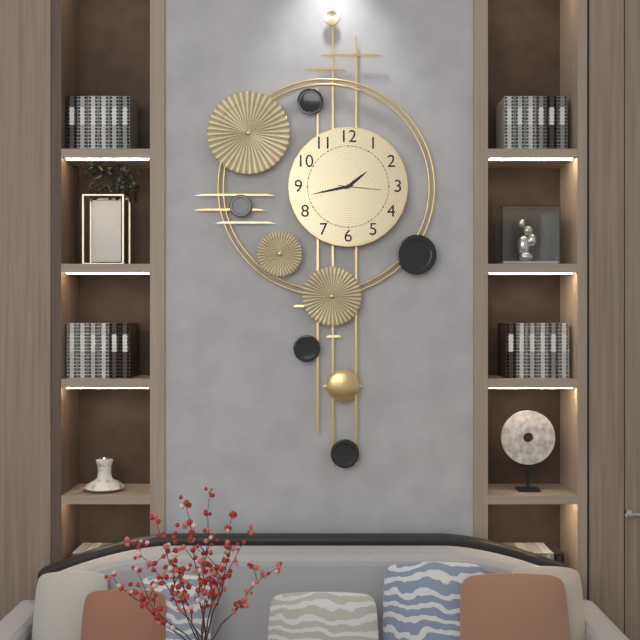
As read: {"hour": 1, "minute": 43}
